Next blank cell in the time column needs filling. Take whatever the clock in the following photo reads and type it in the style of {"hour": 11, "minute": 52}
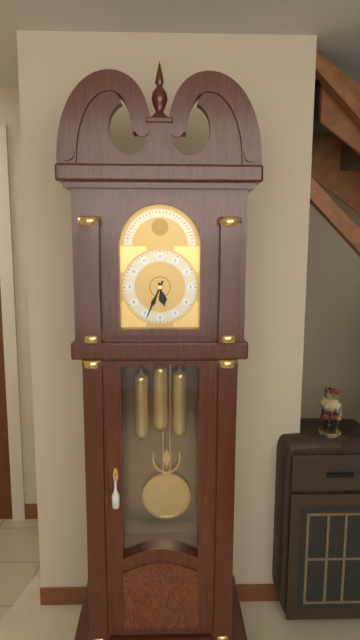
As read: {"hour": 5, "minute": 34}
